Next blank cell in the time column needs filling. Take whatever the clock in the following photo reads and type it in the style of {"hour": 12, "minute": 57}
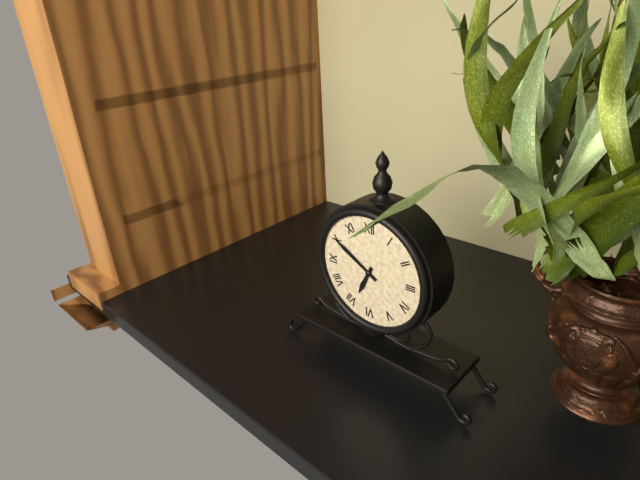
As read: {"hour": 6, "minute": 50}
